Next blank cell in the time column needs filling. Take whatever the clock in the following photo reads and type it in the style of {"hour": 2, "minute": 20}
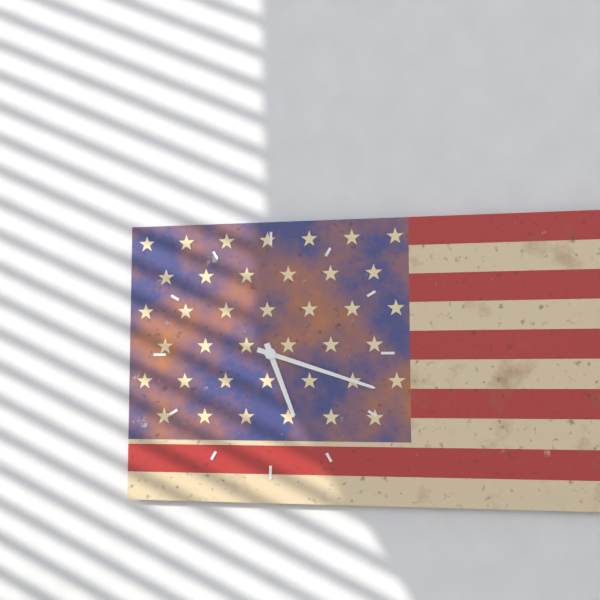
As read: {"hour": 5, "minute": 18}
